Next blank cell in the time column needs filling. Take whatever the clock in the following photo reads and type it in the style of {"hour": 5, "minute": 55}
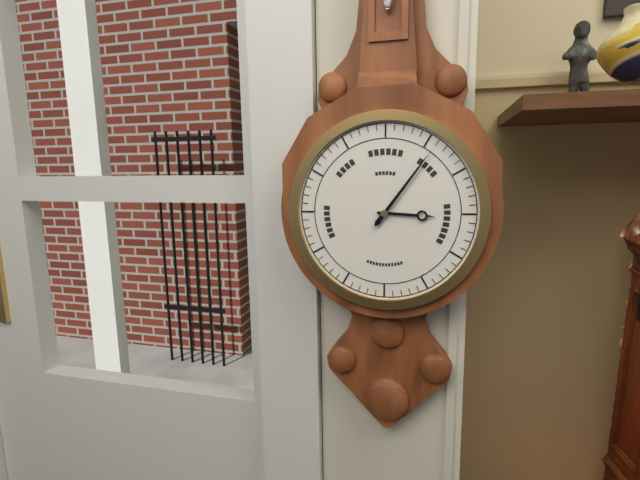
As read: {"hour": 3, "minute": 6}
